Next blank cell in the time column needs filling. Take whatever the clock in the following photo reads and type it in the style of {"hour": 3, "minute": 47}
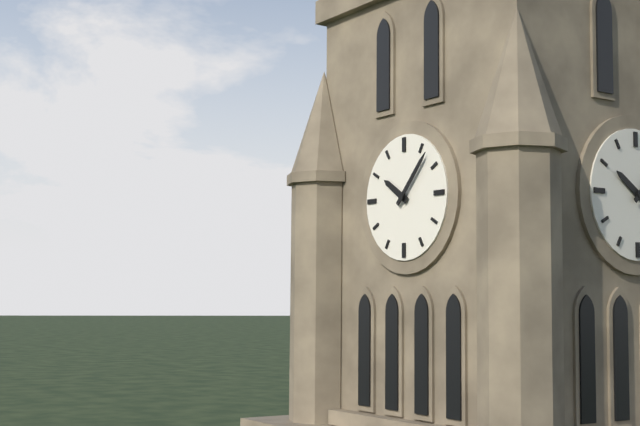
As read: {"hour": 10, "minute": 7}
